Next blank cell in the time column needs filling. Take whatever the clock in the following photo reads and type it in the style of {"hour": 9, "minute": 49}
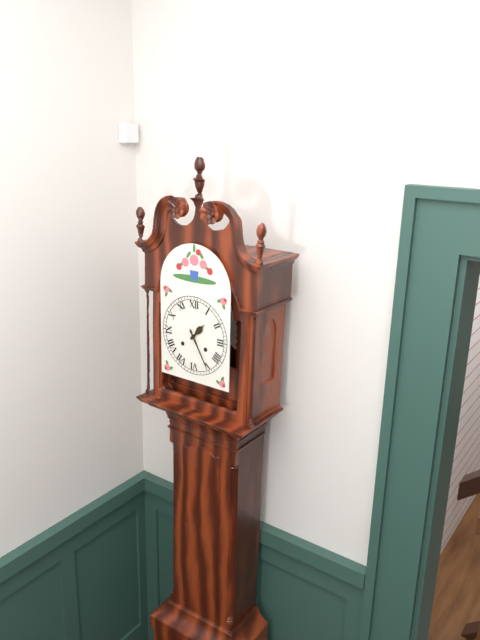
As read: {"hour": 1, "minute": 25}
